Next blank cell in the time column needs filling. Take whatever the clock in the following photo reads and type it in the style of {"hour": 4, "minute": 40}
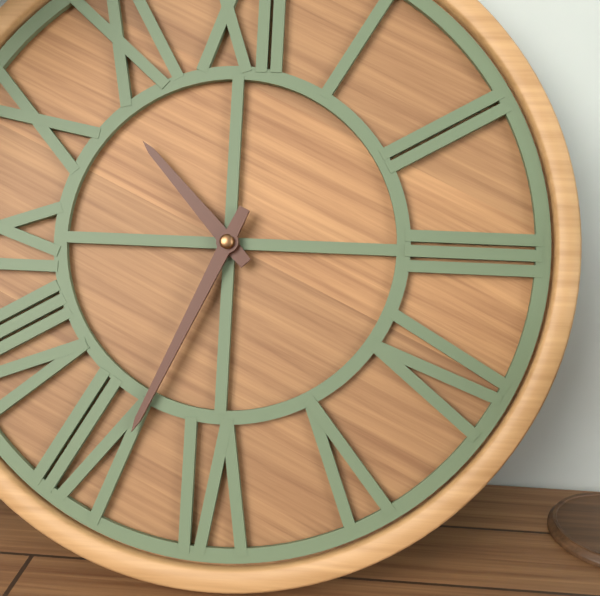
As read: {"hour": 10, "minute": 34}
